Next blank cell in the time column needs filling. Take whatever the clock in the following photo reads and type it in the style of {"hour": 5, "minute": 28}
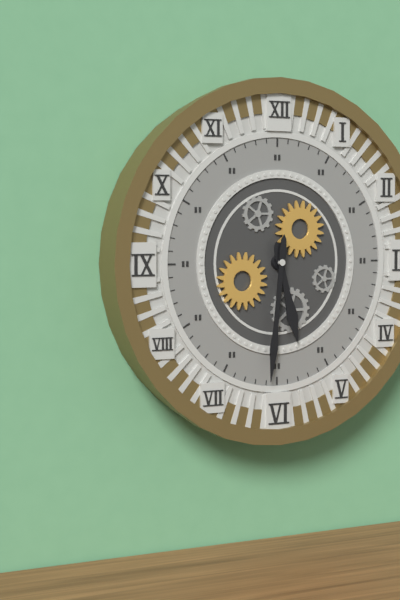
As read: {"hour": 5, "minute": 31}
